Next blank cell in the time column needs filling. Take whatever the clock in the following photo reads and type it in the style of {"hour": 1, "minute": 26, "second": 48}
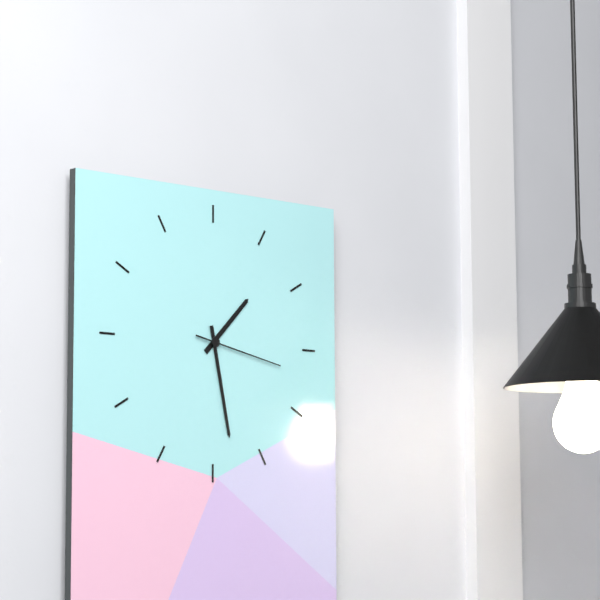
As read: {"hour": 1, "minute": 28, "second": 17}
